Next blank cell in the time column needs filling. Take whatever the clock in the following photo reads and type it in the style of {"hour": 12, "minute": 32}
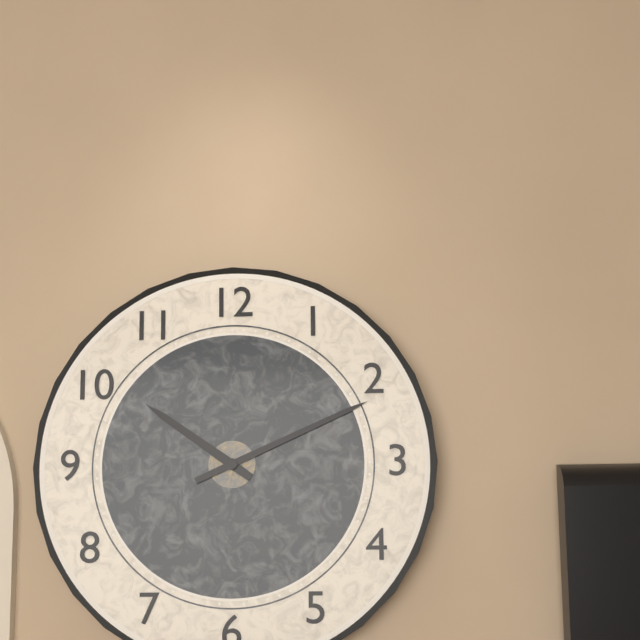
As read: {"hour": 10, "minute": 11}
